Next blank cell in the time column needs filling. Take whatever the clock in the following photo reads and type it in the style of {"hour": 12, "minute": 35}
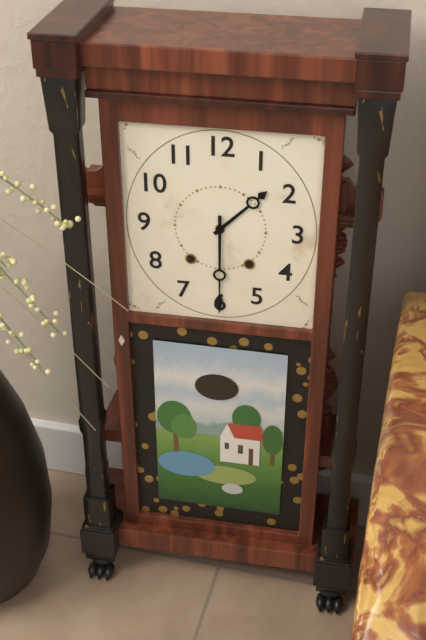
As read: {"hour": 1, "minute": 30}
